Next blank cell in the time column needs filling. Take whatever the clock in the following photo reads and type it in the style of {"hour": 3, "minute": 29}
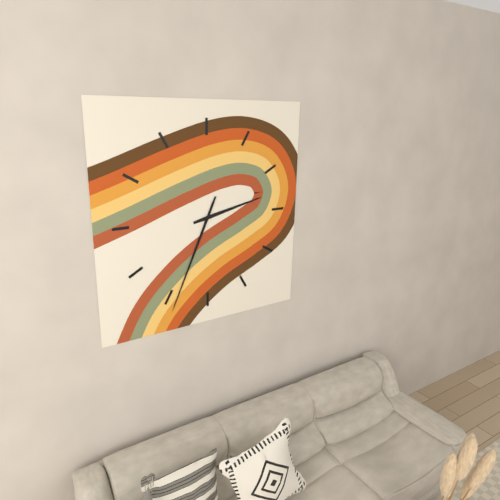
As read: {"hour": 2, "minute": 34}
